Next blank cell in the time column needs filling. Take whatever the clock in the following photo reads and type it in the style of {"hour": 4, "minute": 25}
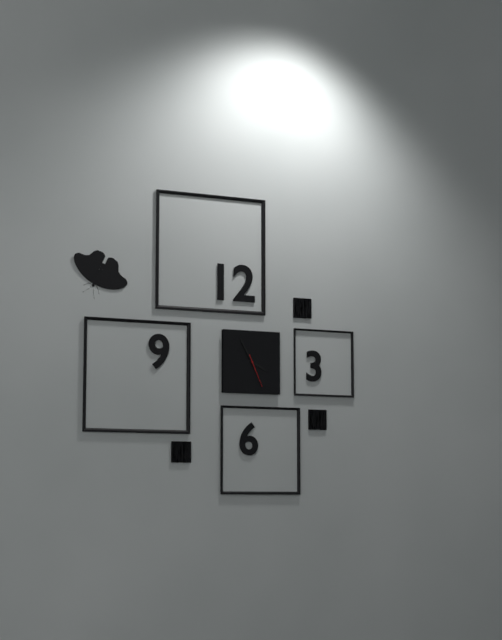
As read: {"hour": 3, "minute": 55}
